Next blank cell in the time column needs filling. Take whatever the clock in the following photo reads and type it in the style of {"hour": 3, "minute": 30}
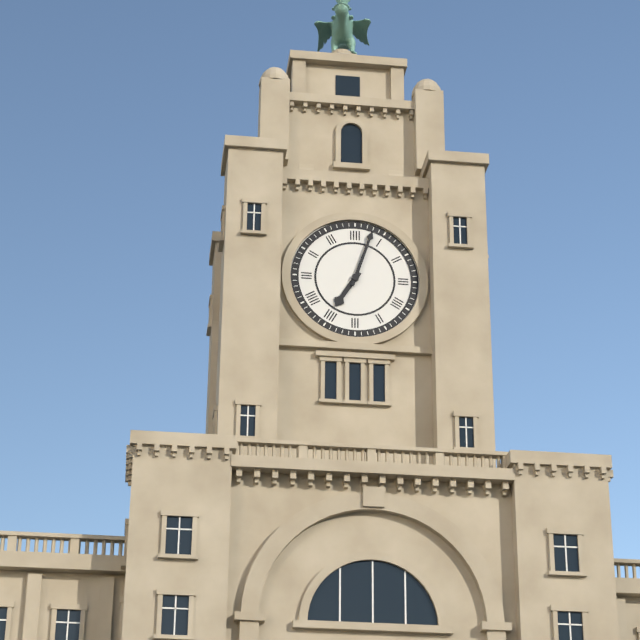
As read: {"hour": 7, "minute": 3}
